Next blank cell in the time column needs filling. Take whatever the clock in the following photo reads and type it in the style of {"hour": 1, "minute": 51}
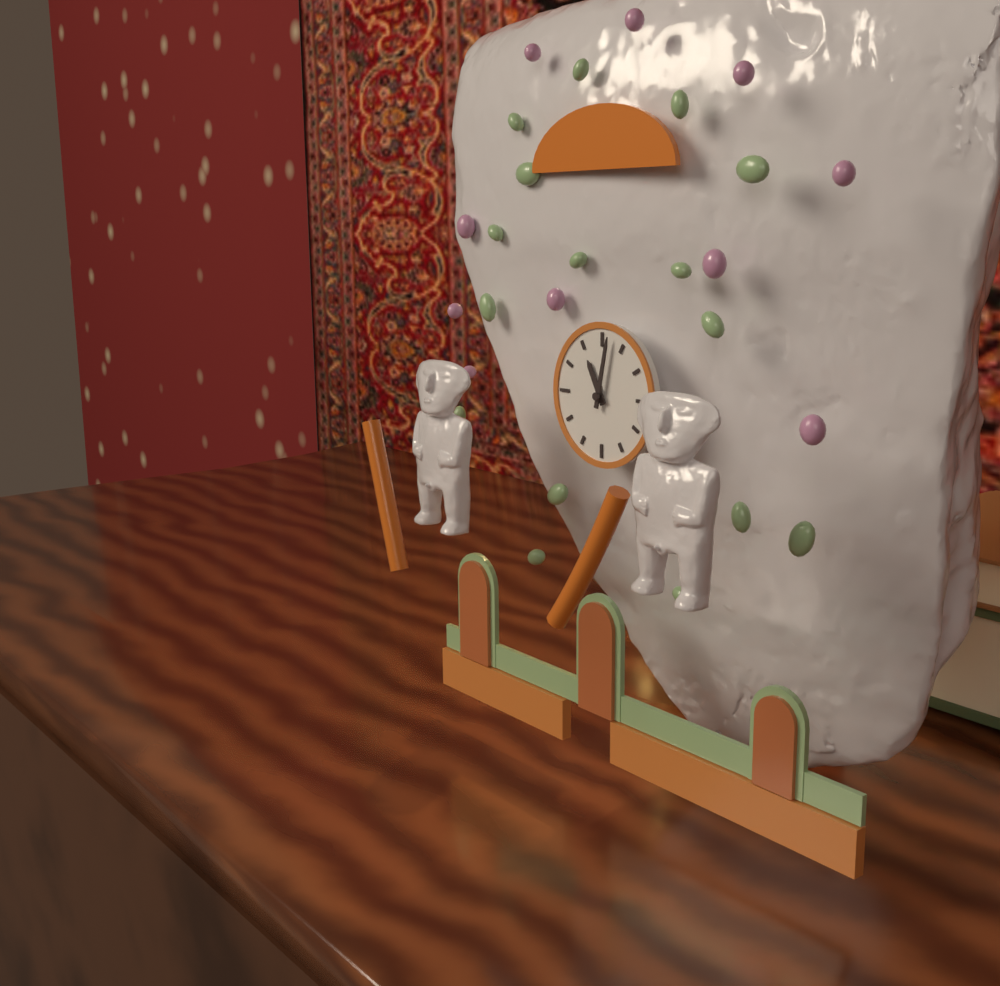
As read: {"hour": 11, "minute": 2}
